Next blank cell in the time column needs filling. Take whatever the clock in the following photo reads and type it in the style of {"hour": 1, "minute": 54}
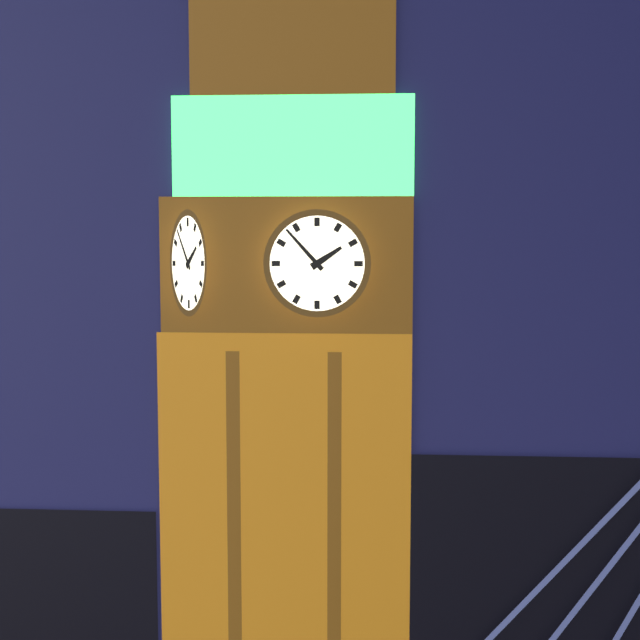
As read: {"hour": 1, "minute": 53}
